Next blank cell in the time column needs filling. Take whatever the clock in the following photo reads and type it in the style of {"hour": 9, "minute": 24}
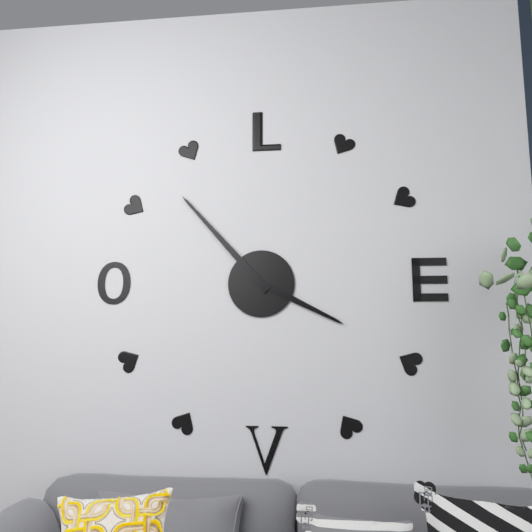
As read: {"hour": 3, "minute": 53}
